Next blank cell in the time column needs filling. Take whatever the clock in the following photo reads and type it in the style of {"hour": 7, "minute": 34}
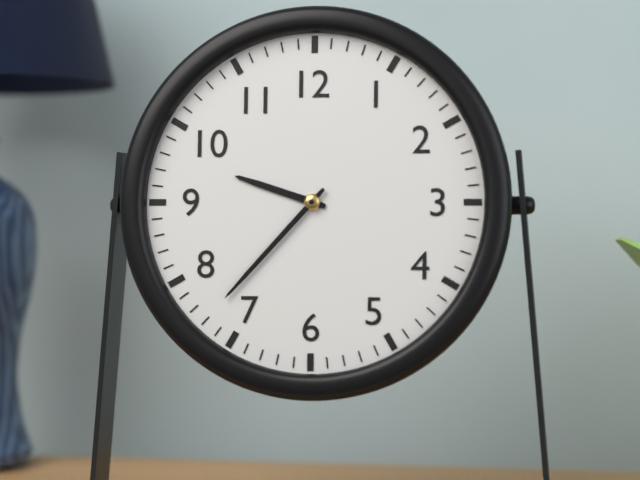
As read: {"hour": 9, "minute": 37}
